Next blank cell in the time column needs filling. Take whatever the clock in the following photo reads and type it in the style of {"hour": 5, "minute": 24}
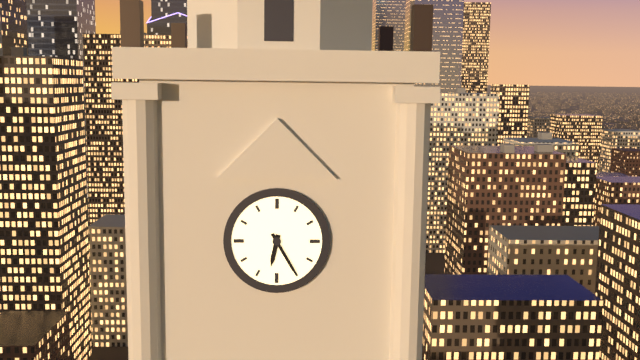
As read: {"hour": 6, "minute": 25}
